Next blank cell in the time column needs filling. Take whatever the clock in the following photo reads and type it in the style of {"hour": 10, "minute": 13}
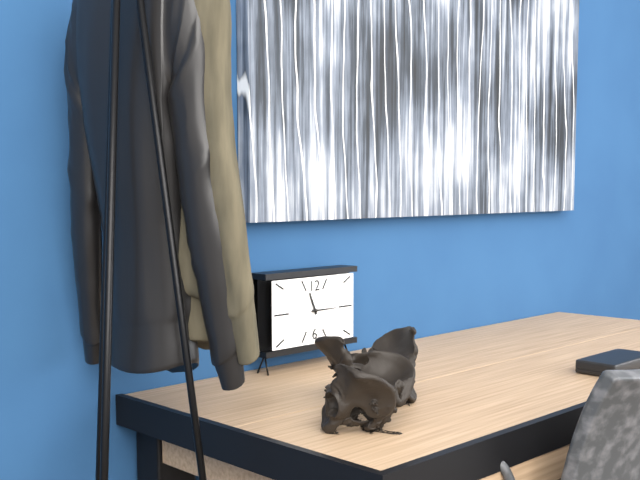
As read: {"hour": 11, "minute": 15}
